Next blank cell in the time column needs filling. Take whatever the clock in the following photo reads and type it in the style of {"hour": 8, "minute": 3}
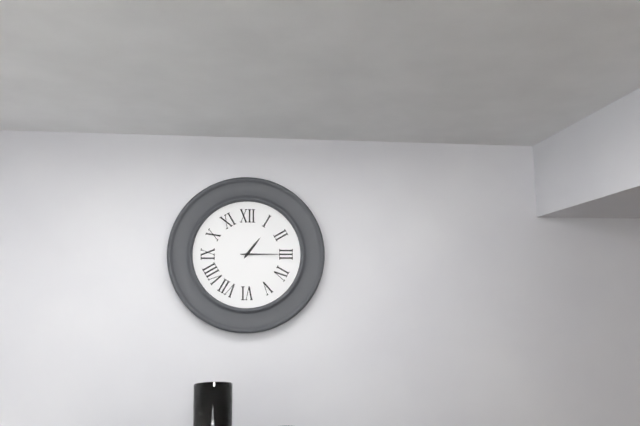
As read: {"hour": 1, "minute": 15}
